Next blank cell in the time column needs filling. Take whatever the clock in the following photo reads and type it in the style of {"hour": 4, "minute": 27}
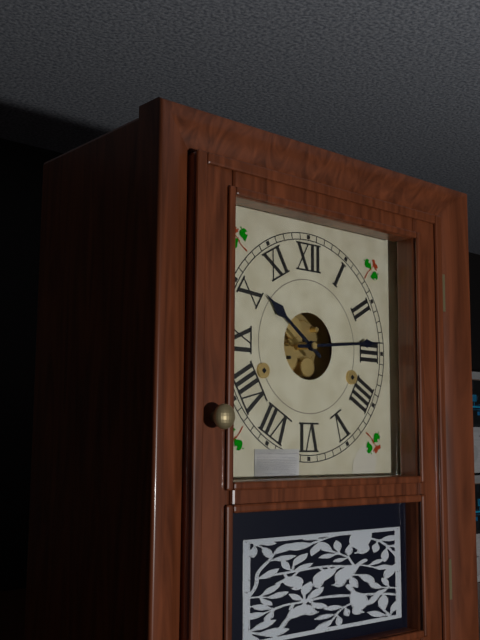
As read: {"hour": 10, "minute": 14}
